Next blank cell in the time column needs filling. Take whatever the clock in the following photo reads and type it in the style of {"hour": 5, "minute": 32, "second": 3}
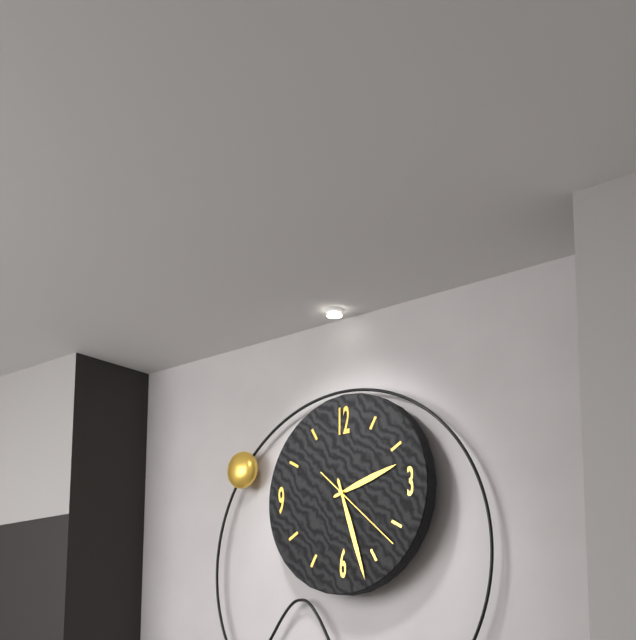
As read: {"hour": 2, "minute": 27, "second": 22}
